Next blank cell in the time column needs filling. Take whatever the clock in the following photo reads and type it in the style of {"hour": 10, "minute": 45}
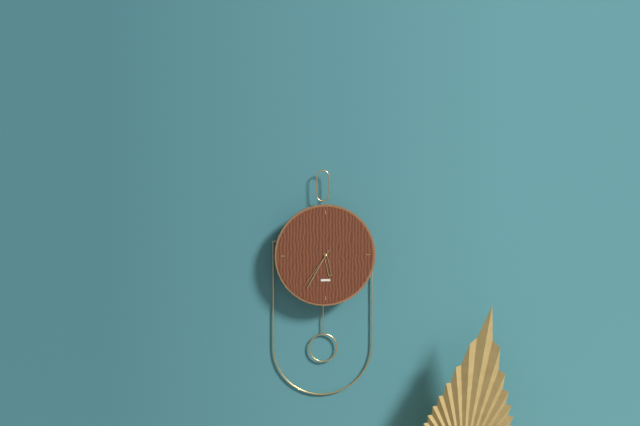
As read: {"hour": 5, "minute": 35}
